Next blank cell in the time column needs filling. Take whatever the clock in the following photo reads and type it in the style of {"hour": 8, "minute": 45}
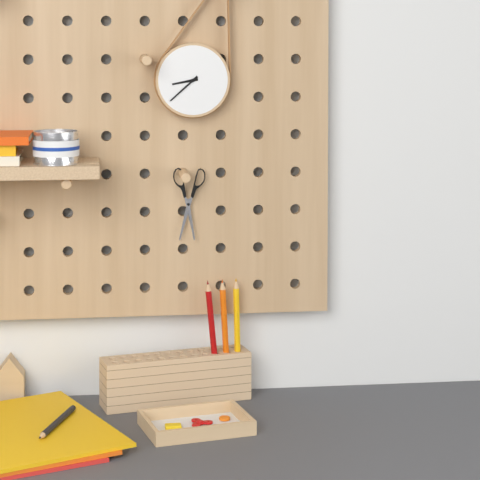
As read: {"hour": 8, "minute": 38}
